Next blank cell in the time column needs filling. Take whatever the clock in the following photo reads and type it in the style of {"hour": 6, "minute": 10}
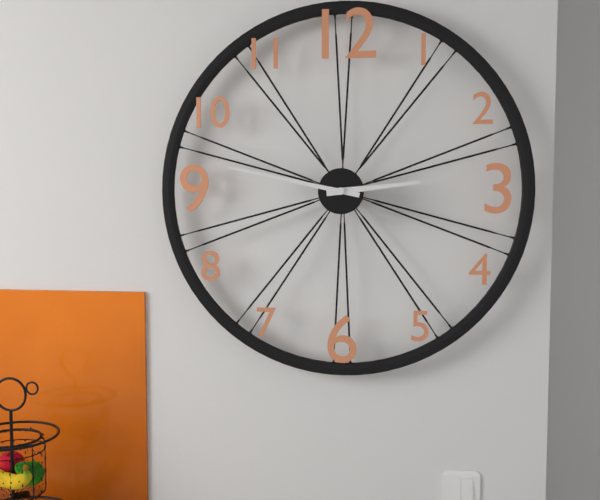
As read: {"hour": 2, "minute": 47}
